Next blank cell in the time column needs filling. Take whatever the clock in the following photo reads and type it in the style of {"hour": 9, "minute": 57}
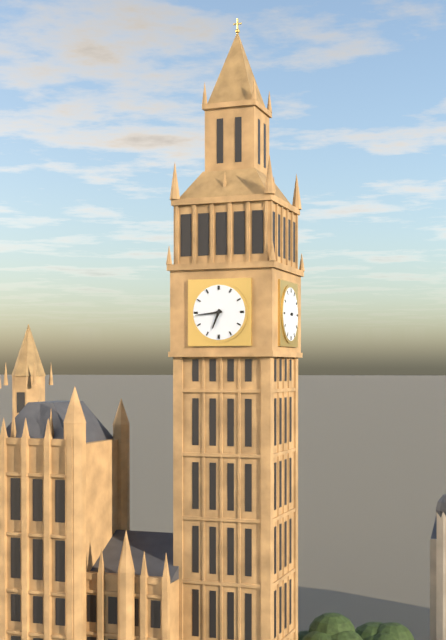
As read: {"hour": 6, "minute": 44}
